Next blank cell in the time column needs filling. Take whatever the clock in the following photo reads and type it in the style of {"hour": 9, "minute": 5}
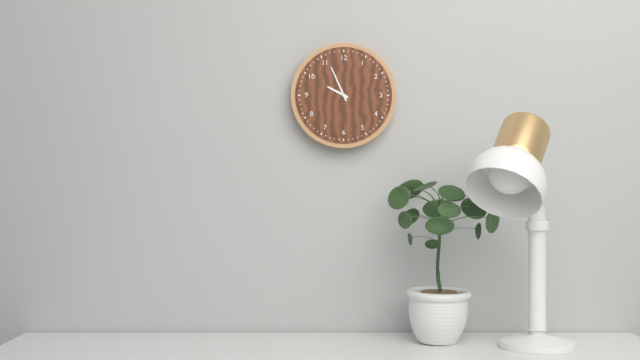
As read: {"hour": 9, "minute": 56}
